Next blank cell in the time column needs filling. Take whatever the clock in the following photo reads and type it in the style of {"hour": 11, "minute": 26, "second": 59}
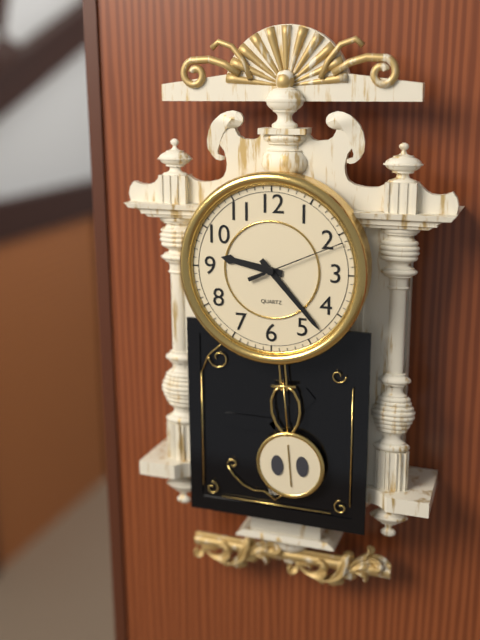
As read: {"hour": 9, "minute": 23, "second": 11}
